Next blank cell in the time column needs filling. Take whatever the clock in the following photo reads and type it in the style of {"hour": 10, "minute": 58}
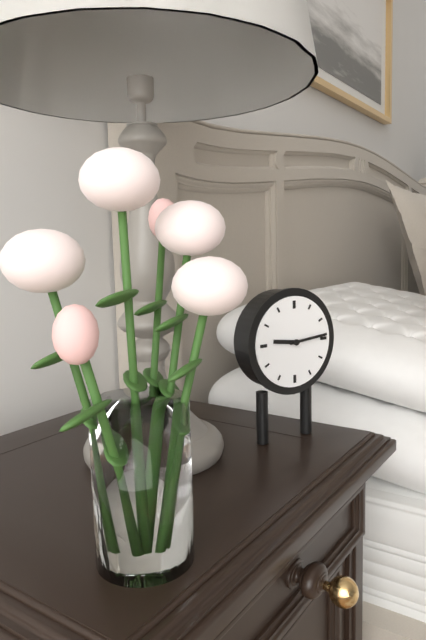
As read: {"hour": 9, "minute": 14}
